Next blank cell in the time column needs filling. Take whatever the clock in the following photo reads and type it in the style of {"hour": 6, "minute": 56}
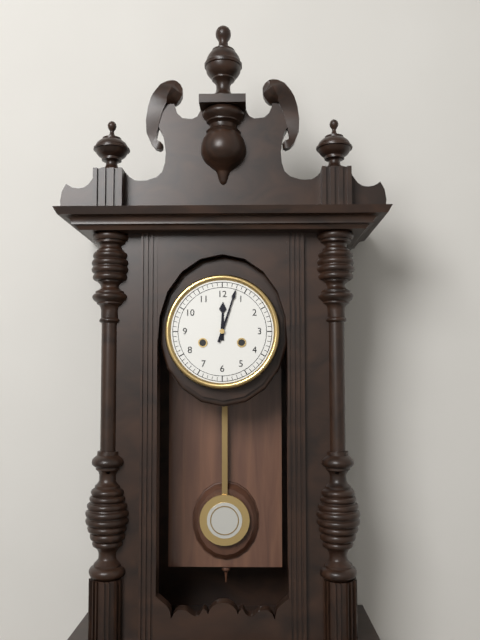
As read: {"hour": 12, "minute": 3}
